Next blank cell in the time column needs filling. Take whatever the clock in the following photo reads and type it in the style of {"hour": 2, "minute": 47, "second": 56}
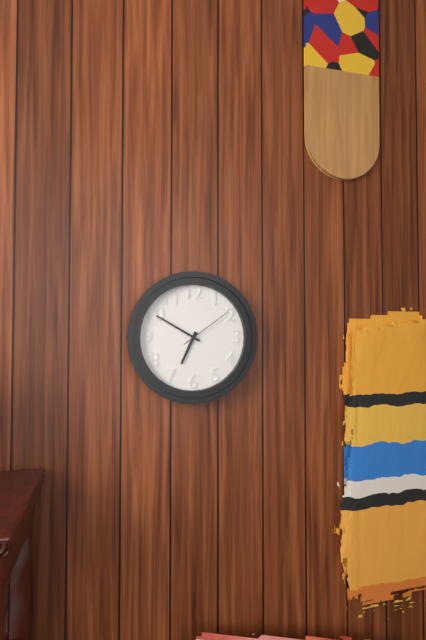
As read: {"hour": 6, "minute": 50, "second": 9}
